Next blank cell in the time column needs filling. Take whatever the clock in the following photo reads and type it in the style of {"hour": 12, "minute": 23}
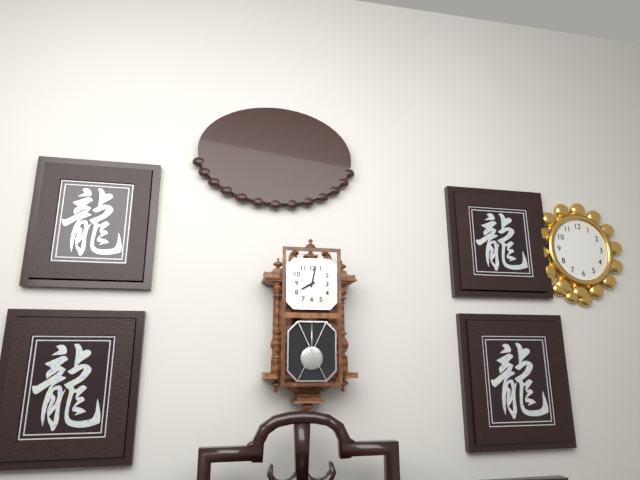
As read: {"hour": 8, "minute": 2}
